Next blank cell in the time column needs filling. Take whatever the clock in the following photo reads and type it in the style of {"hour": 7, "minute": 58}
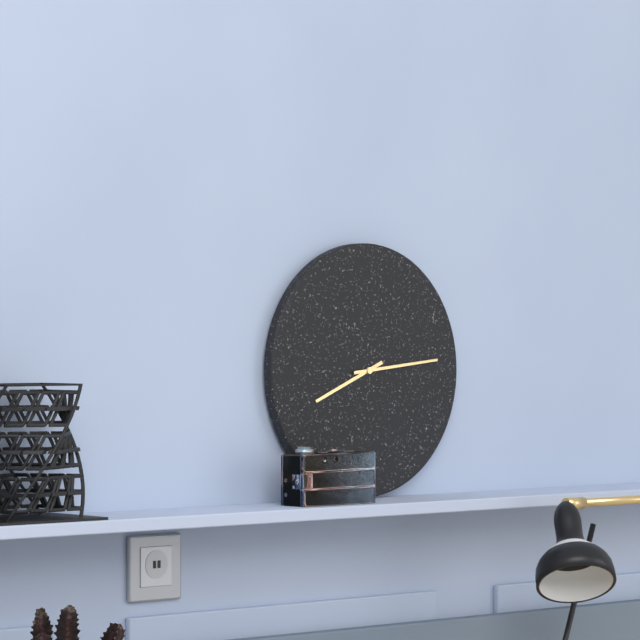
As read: {"hour": 8, "minute": 14}
